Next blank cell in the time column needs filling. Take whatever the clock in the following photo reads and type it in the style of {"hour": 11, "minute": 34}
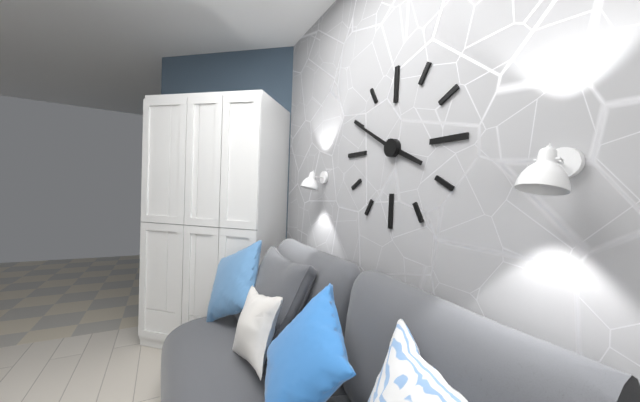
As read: {"hour": 3, "minute": 50}
